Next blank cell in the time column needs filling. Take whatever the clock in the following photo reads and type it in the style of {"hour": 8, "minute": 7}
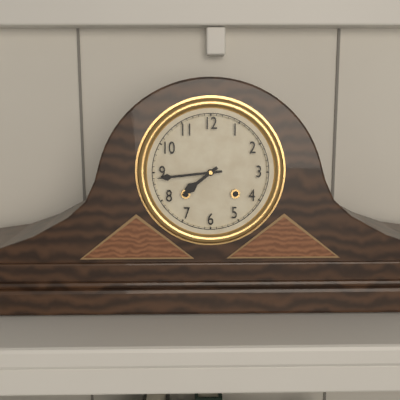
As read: {"hour": 7, "minute": 44}
